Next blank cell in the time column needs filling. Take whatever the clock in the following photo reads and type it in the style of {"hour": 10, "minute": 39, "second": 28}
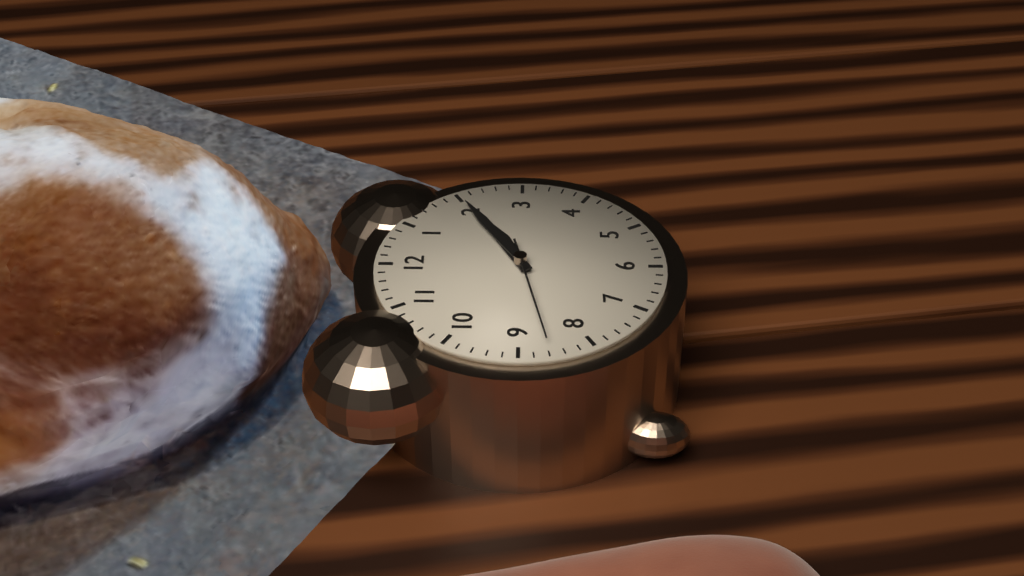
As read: {"hour": 2, "minute": 10, "second": 43}
